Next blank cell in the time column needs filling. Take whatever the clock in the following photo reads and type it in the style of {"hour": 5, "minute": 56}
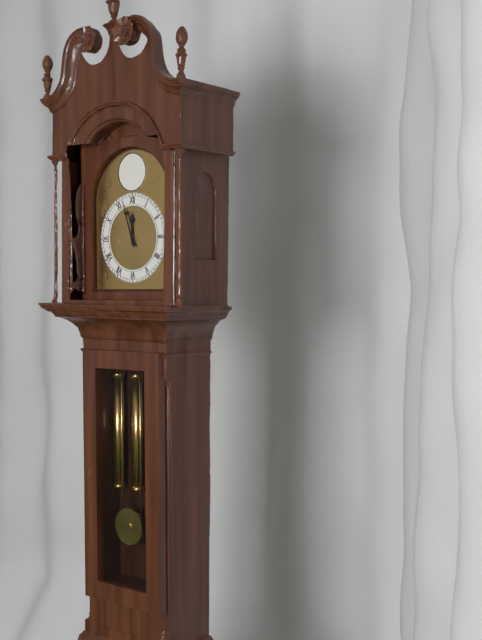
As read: {"hour": 11, "minute": 57}
